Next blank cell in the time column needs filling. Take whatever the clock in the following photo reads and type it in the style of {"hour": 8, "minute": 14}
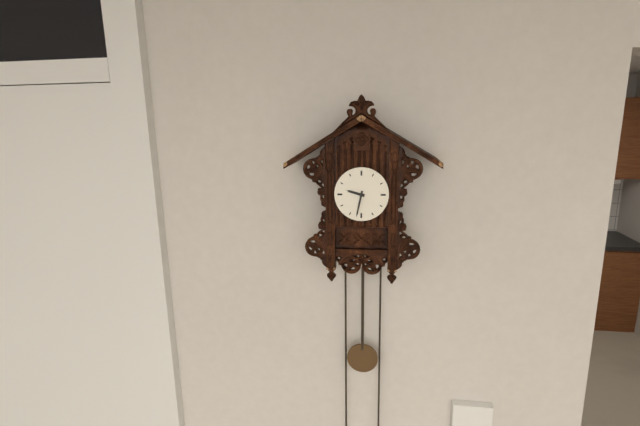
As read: {"hour": 9, "minute": 32}
